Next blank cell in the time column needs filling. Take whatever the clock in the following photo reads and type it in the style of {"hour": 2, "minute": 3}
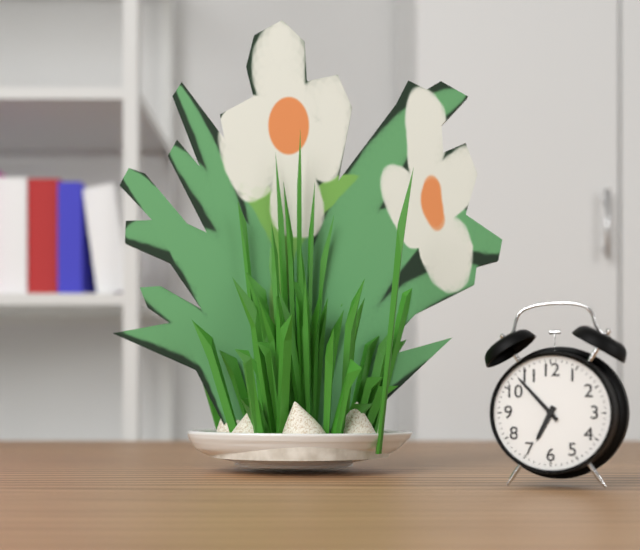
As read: {"hour": 6, "minute": 53}
